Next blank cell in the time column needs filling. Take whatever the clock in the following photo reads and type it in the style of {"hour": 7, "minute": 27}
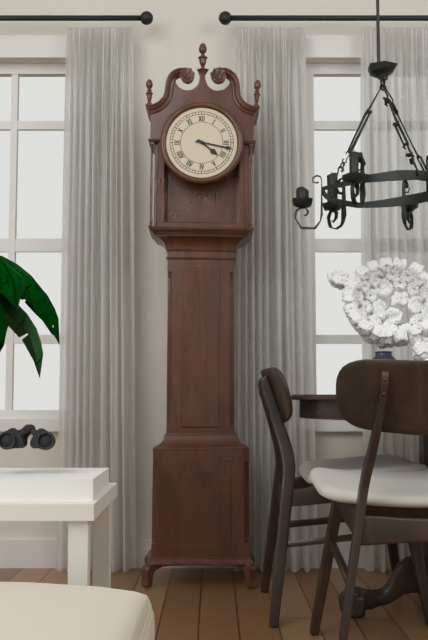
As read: {"hour": 4, "minute": 17}
